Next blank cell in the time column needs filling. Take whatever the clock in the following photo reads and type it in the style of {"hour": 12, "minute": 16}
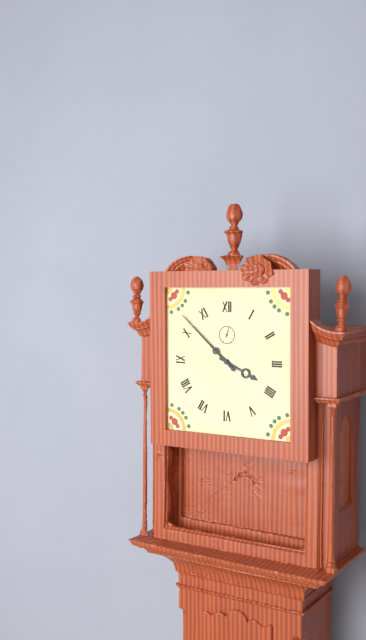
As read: {"hour": 3, "minute": 52}
